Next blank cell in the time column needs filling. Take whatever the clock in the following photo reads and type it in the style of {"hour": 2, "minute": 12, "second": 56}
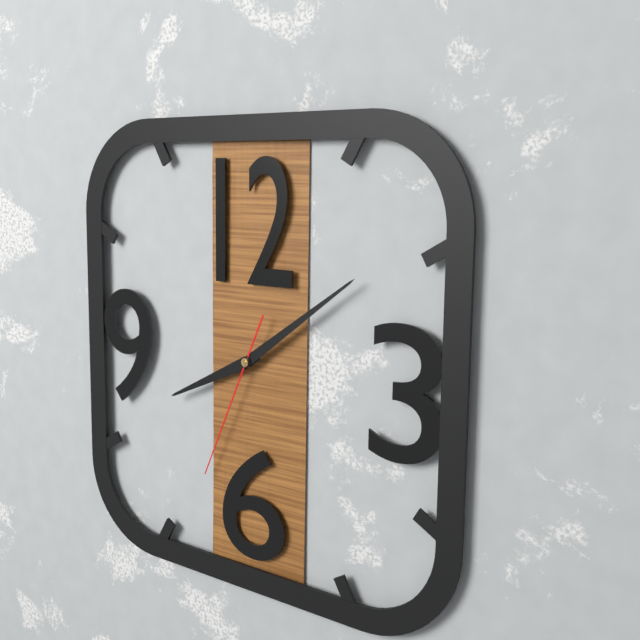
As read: {"hour": 8, "minute": 9, "second": 34}
